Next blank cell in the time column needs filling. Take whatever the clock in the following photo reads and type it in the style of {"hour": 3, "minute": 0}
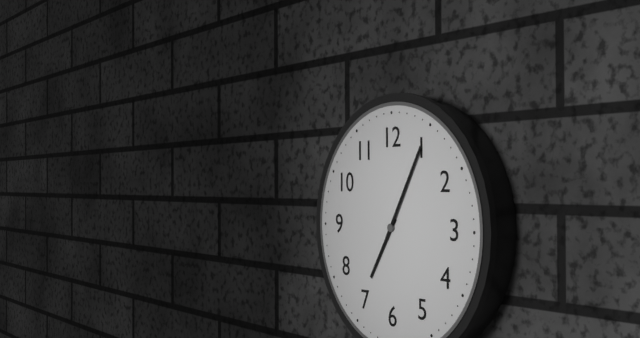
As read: {"hour": 7, "minute": 5}
